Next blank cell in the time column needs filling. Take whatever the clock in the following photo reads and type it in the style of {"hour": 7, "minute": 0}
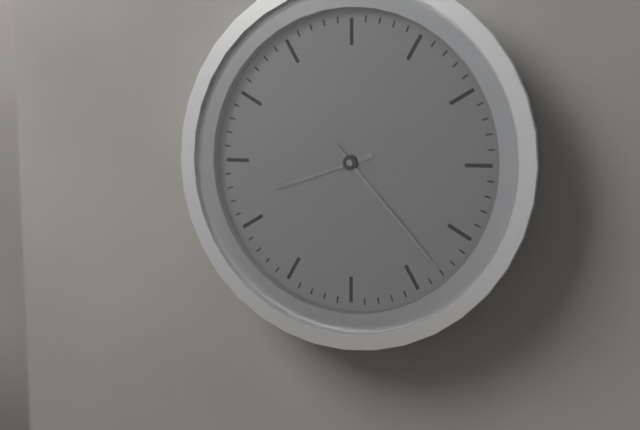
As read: {"hour": 8, "minute": 23}
